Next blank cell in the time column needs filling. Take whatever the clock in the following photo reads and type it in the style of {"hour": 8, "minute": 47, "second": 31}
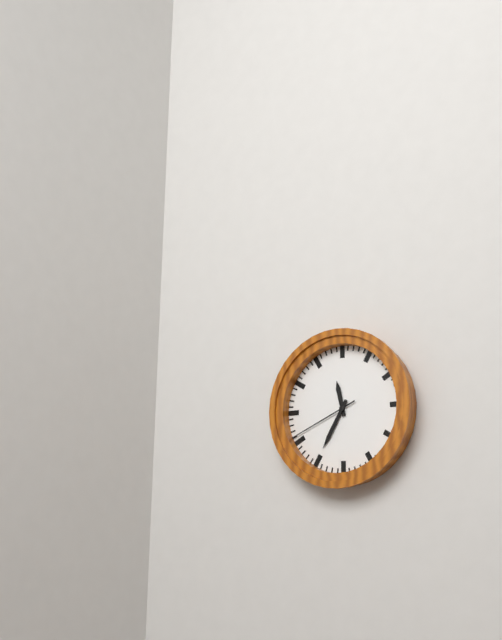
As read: {"hour": 11, "minute": 35, "second": 41}
